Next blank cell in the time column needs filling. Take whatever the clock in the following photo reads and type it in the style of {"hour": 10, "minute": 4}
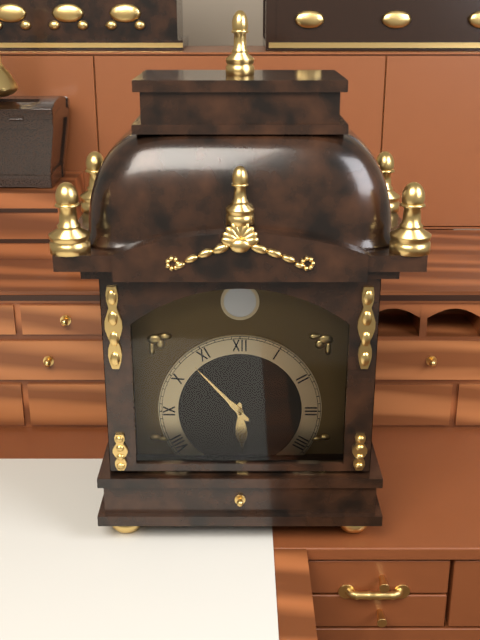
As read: {"hour": 5, "minute": 53}
